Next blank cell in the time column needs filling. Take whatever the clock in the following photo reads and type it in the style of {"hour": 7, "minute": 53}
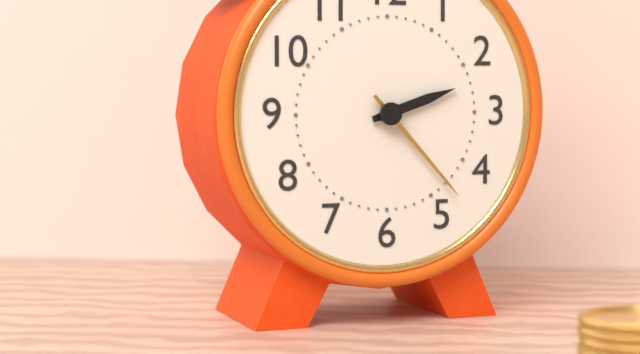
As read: {"hour": 2, "minute": 23}
